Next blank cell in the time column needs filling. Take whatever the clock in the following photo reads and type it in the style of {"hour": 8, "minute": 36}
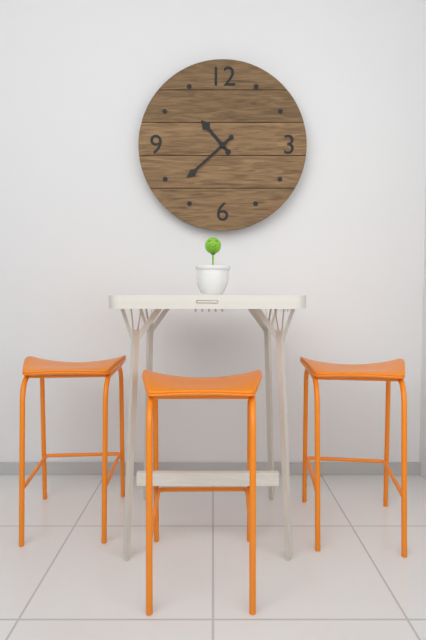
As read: {"hour": 10, "minute": 38}
